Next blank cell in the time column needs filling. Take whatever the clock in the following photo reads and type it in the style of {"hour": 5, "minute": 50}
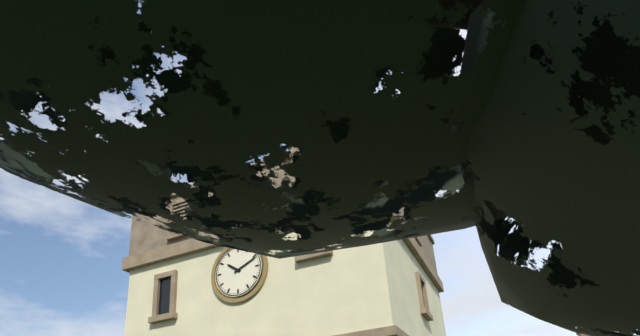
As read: {"hour": 10, "minute": 11}
